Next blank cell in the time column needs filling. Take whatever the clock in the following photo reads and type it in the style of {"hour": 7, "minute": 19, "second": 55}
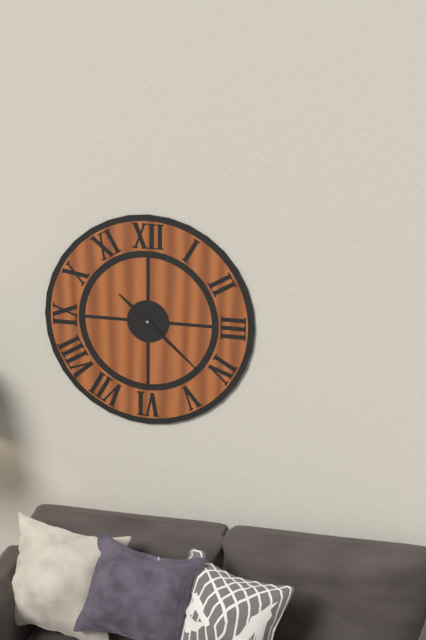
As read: {"hour": 10, "minute": 22, "second": 22}
